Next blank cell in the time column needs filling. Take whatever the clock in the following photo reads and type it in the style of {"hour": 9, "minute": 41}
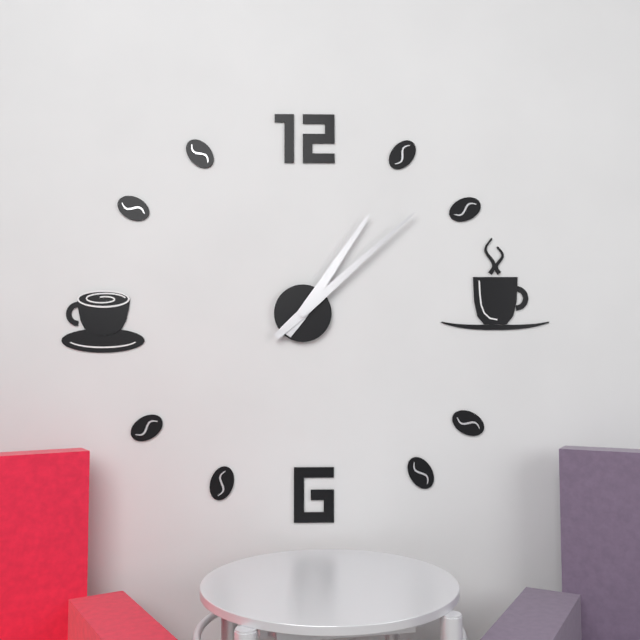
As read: {"hour": 1, "minute": 8}
